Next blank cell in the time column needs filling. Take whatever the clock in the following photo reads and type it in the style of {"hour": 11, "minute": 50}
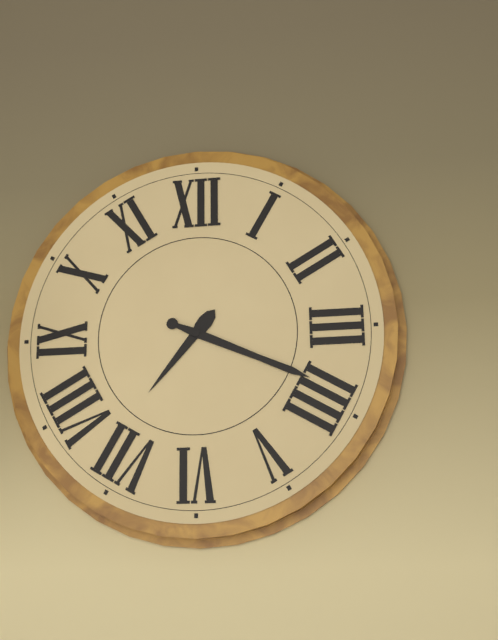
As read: {"hour": 7, "minute": 19}
